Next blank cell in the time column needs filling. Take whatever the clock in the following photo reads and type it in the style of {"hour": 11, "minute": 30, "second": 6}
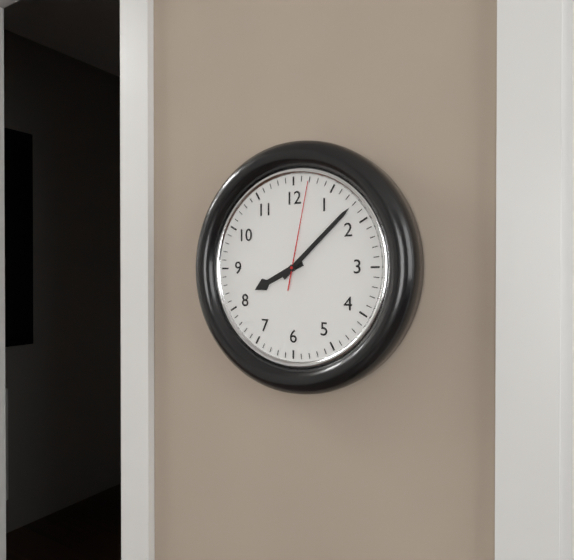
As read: {"hour": 8, "minute": 8, "second": 2}
